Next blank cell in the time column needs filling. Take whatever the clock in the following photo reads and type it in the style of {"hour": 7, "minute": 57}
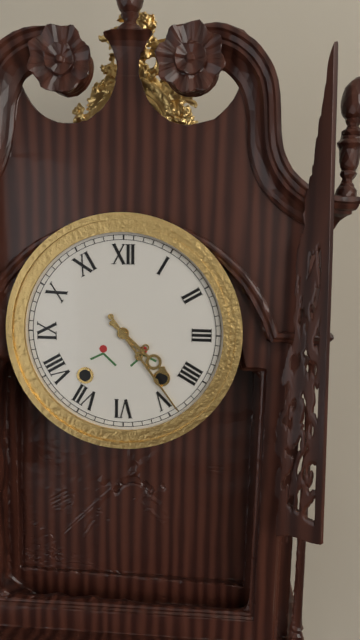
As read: {"hour": 4, "minute": 24}
